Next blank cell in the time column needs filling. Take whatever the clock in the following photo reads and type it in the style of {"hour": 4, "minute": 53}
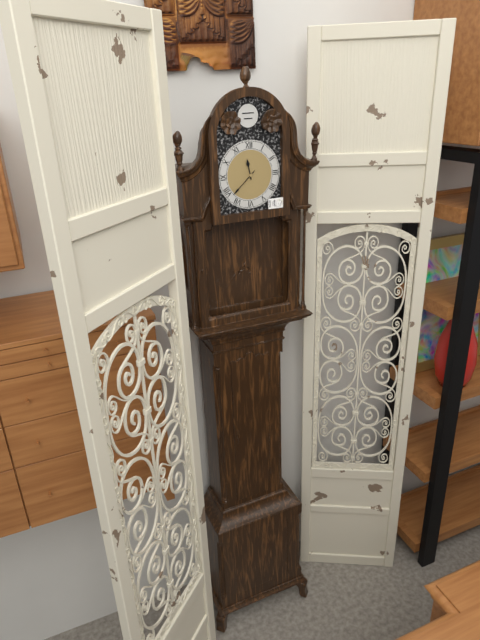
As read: {"hour": 11, "minute": 38}
